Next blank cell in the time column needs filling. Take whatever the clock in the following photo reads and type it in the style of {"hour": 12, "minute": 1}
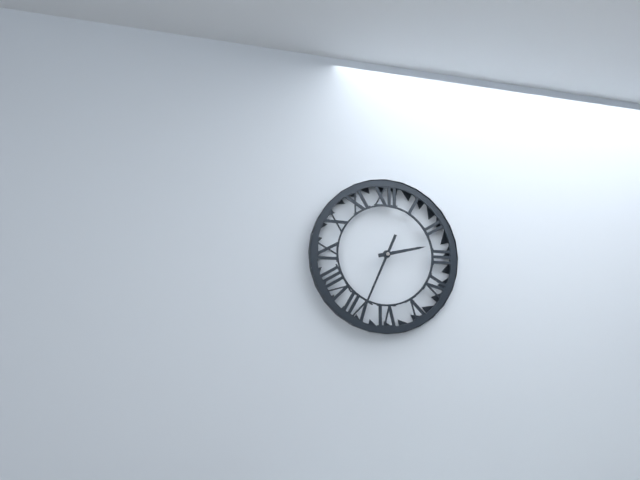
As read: {"hour": 2, "minute": 34}
